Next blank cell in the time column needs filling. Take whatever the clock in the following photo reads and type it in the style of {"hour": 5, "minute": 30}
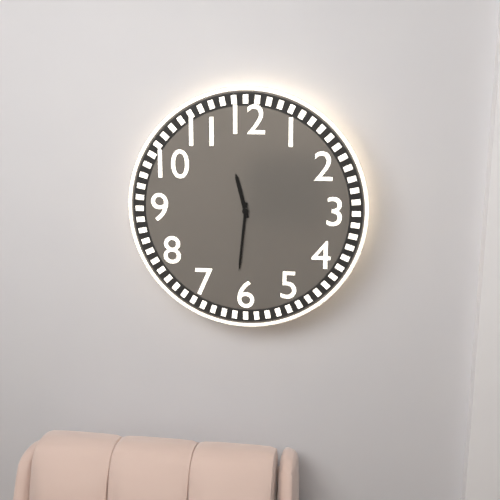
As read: {"hour": 11, "minute": 31}
